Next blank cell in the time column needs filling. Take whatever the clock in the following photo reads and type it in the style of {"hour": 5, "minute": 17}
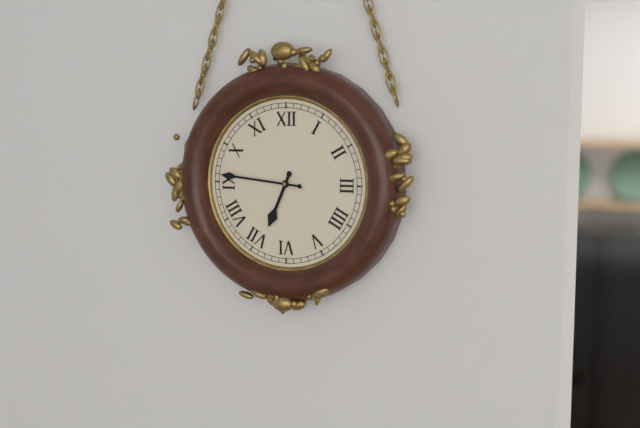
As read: {"hour": 6, "minute": 46}
